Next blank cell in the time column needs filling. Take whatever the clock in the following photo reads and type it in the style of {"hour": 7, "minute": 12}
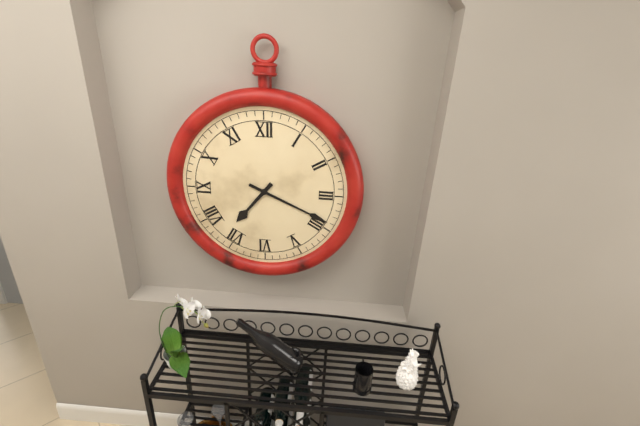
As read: {"hour": 7, "minute": 19}
